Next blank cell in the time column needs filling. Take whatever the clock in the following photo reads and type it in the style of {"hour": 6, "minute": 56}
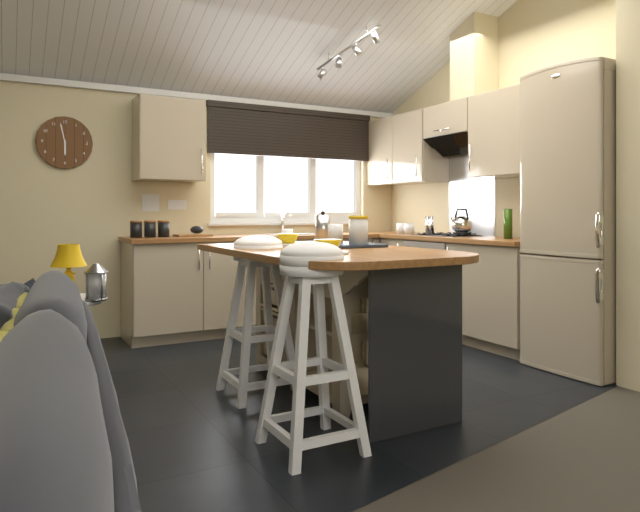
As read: {"hour": 5, "minute": 58}
